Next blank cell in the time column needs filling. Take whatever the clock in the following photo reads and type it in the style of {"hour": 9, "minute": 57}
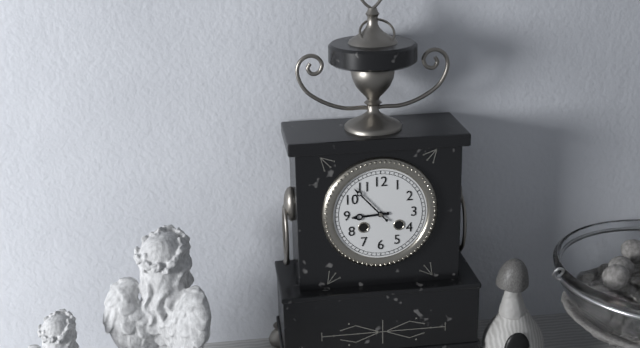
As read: {"hour": 8, "minute": 53}
